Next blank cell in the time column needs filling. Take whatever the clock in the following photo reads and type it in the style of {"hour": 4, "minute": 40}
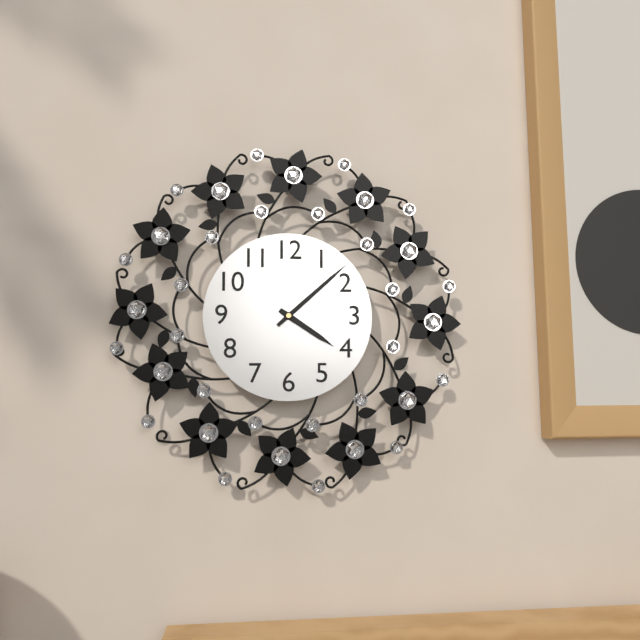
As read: {"hour": 4, "minute": 8}
